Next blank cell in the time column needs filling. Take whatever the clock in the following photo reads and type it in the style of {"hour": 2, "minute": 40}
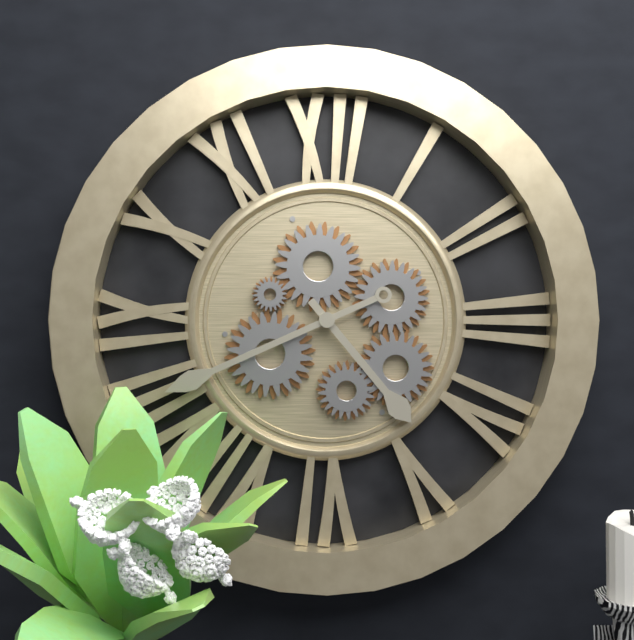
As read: {"hour": 4, "minute": 41}
